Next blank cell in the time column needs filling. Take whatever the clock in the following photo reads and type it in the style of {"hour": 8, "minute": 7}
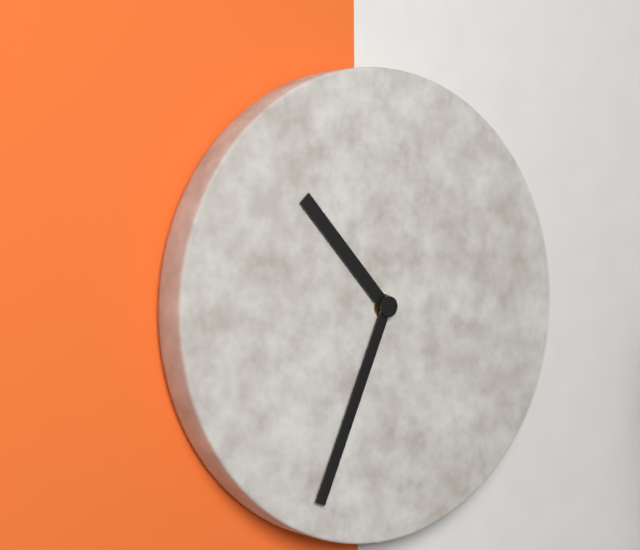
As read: {"hour": 10, "minute": 34}
